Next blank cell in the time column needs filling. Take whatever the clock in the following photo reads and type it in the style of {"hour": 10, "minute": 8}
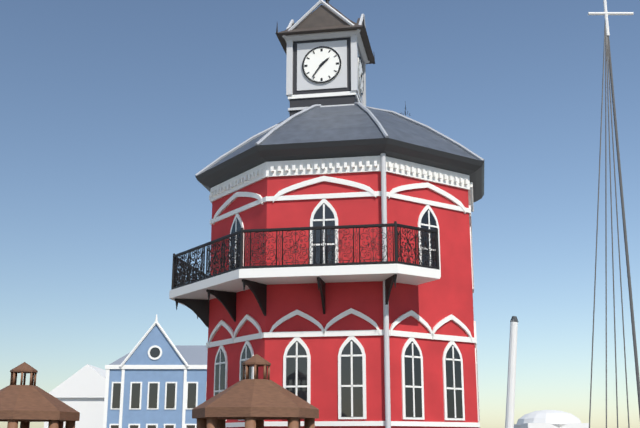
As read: {"hour": 1, "minute": 36}
